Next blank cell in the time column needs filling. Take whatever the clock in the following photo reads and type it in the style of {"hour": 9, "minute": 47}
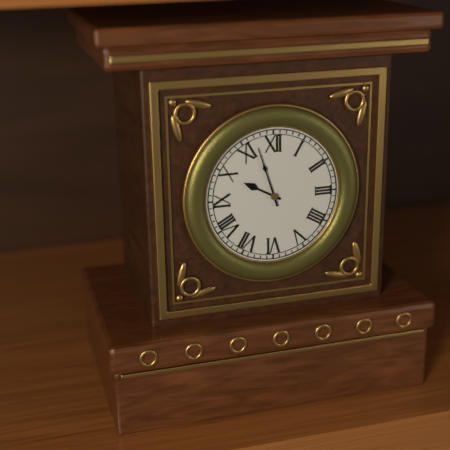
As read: {"hour": 9, "minute": 57}
